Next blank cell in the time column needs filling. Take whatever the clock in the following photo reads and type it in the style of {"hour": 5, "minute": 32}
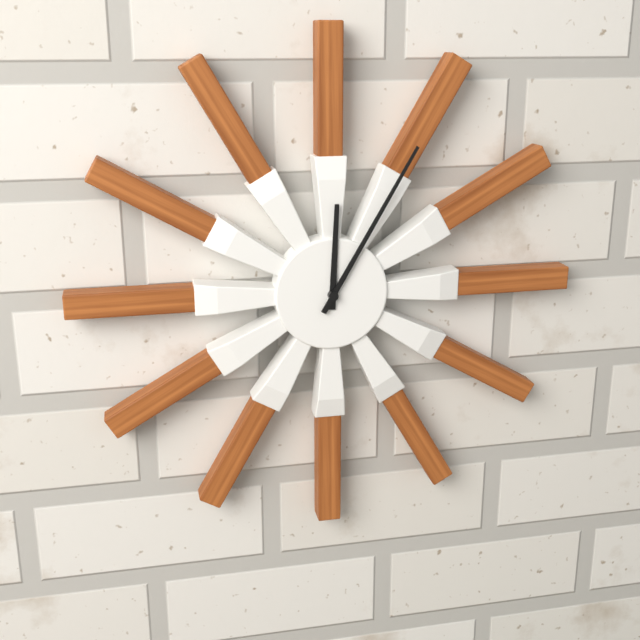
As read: {"hour": 12, "minute": 5}
